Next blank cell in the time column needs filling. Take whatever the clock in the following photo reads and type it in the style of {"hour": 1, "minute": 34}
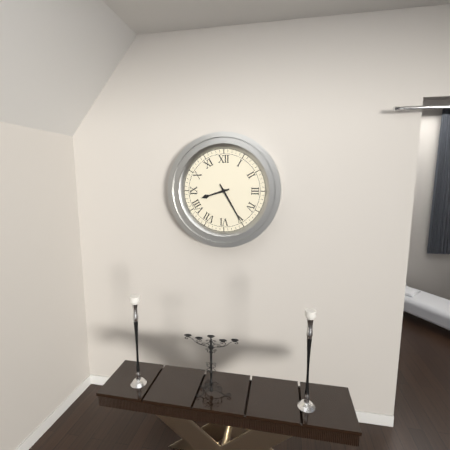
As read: {"hour": 8, "minute": 25}
